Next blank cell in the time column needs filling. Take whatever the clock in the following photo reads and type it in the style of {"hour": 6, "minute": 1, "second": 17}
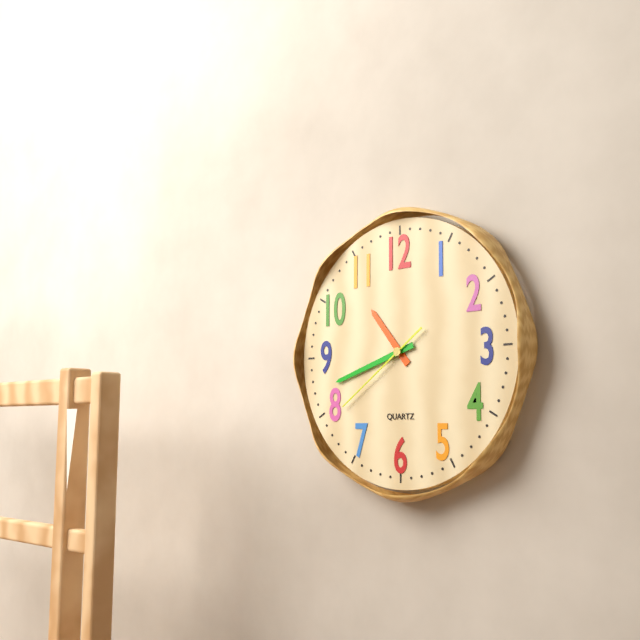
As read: {"hour": 10, "minute": 42, "second": 39}
